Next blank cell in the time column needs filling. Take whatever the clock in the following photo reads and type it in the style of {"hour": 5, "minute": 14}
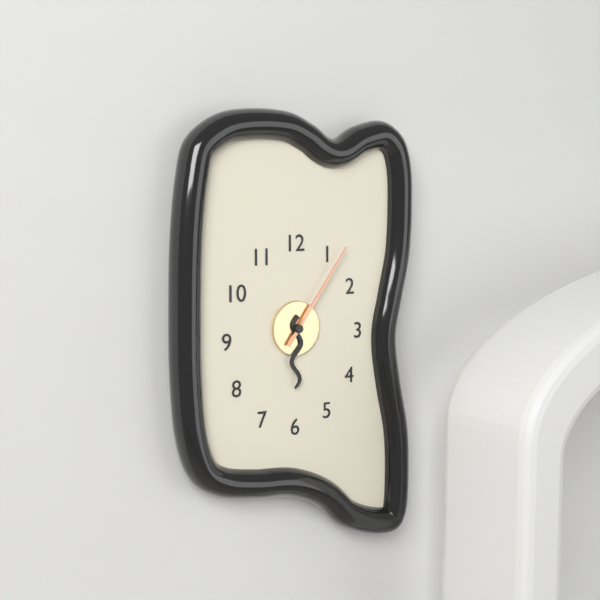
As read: {"hour": 6, "minute": 6}
